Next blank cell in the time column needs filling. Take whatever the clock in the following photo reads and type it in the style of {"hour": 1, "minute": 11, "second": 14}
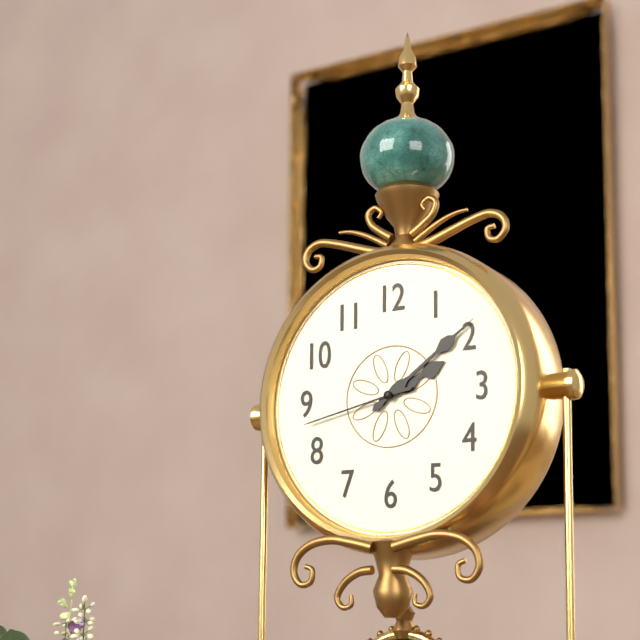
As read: {"hour": 2, "minute": 9, "second": 43}
